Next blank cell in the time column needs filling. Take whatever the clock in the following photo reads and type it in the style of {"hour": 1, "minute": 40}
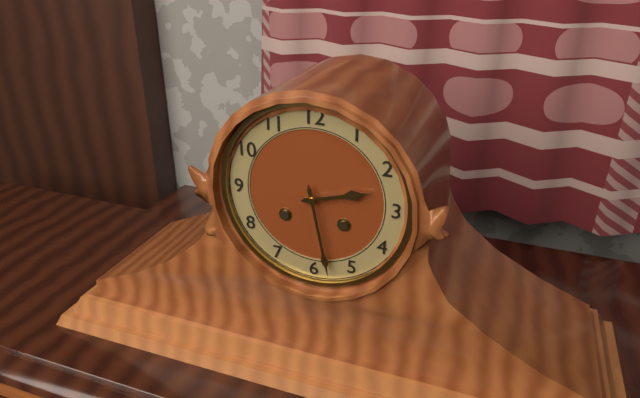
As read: {"hour": 2, "minute": 28}
